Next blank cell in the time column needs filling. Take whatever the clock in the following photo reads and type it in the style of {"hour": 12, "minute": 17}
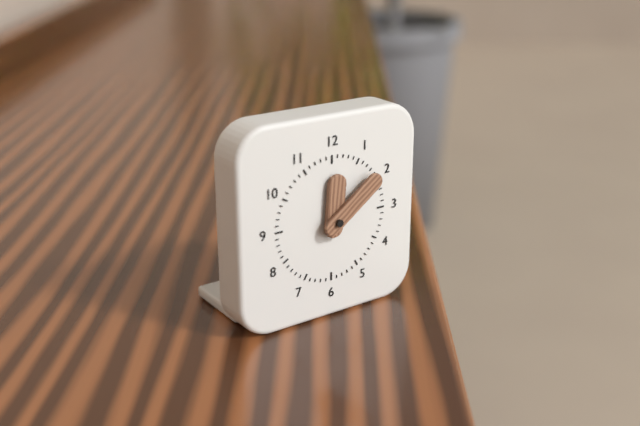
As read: {"hour": 12, "minute": 9}
